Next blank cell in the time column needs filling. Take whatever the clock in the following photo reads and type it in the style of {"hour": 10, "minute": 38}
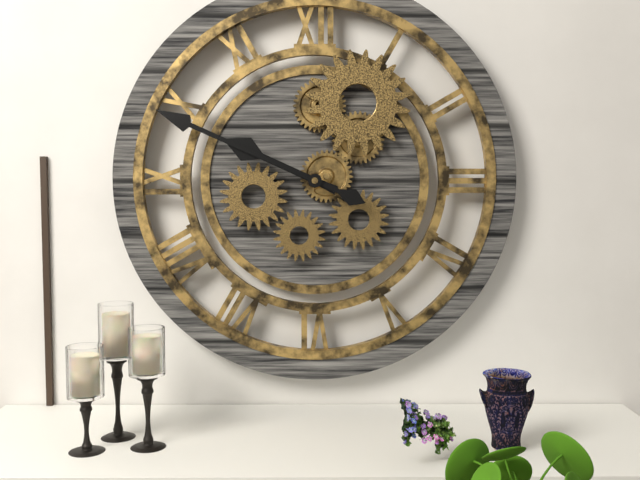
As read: {"hour": 9, "minute": 49}
